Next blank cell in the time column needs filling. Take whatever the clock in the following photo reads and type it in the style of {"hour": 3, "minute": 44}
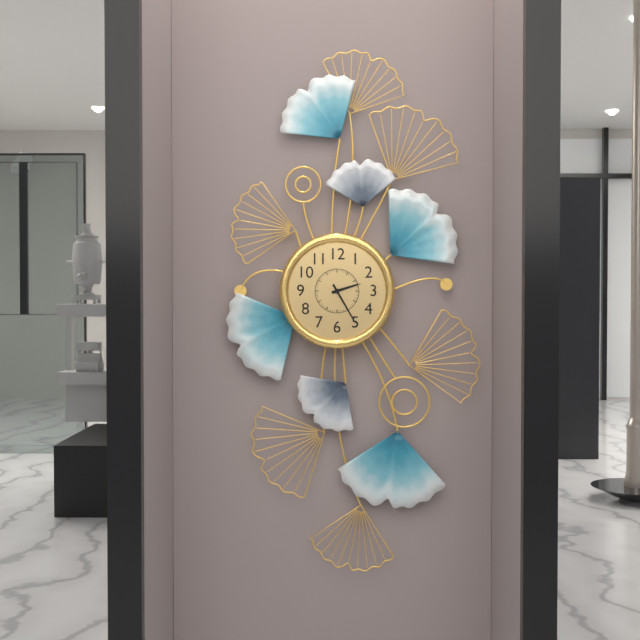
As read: {"hour": 2, "minute": 25}
